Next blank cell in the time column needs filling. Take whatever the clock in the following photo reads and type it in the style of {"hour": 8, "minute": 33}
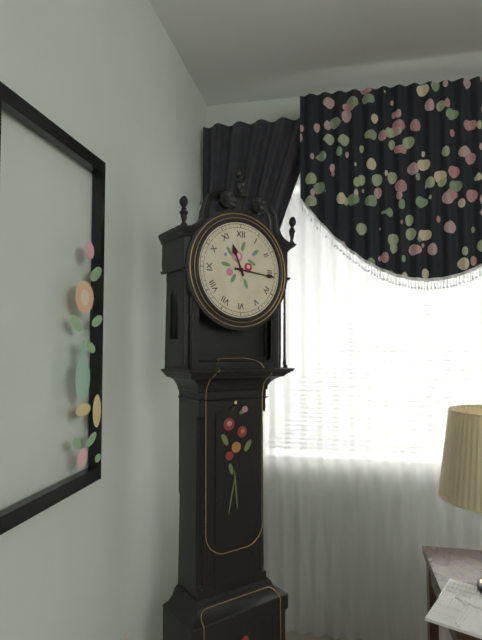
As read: {"hour": 11, "minute": 16}
